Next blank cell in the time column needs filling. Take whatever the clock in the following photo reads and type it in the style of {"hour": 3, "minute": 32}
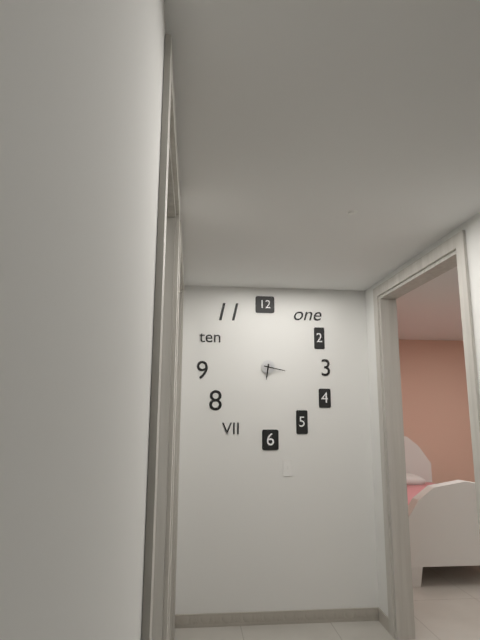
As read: {"hour": 6, "minute": 17}
